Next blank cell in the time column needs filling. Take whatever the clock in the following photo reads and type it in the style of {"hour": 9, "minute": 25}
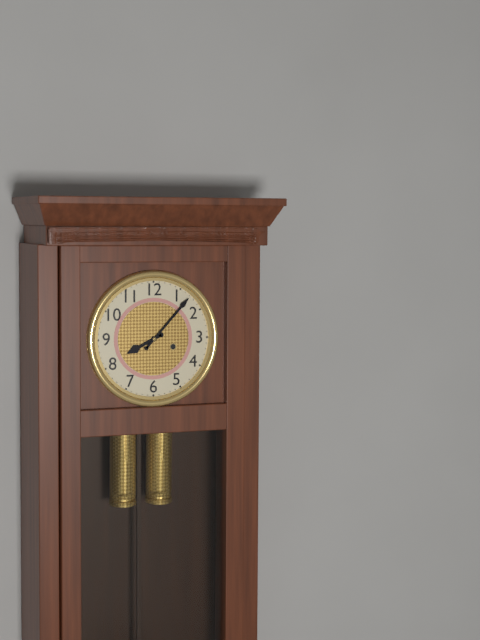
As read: {"hour": 8, "minute": 7}
